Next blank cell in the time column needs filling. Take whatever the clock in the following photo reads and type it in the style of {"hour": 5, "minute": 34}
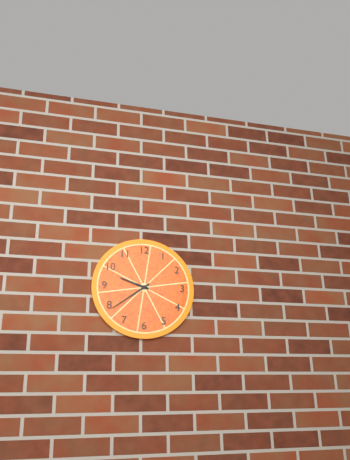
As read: {"hour": 9, "minute": 39}
